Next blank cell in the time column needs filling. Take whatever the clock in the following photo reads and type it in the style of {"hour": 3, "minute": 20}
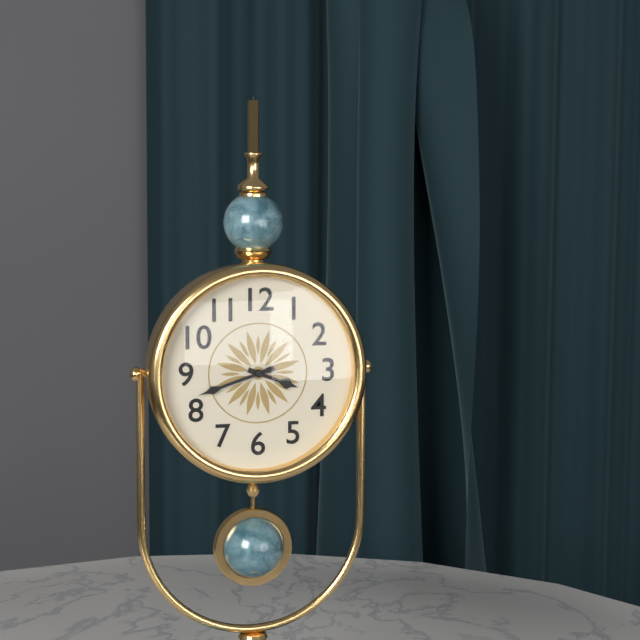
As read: {"hour": 3, "minute": 42}
